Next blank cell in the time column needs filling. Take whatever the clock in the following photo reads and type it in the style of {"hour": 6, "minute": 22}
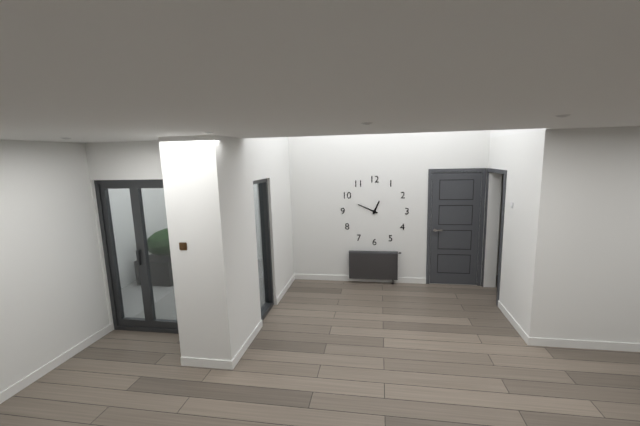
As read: {"hour": 12, "minute": 49}
